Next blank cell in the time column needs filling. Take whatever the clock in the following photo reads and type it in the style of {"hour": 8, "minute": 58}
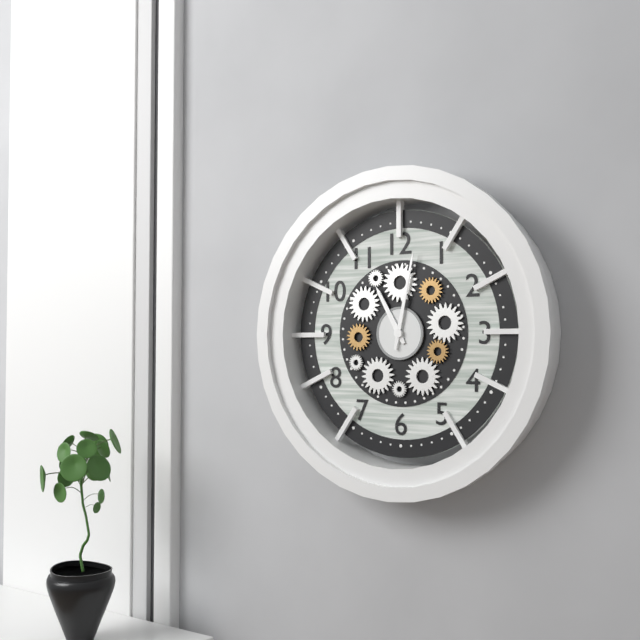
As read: {"hour": 11, "minute": 2}
